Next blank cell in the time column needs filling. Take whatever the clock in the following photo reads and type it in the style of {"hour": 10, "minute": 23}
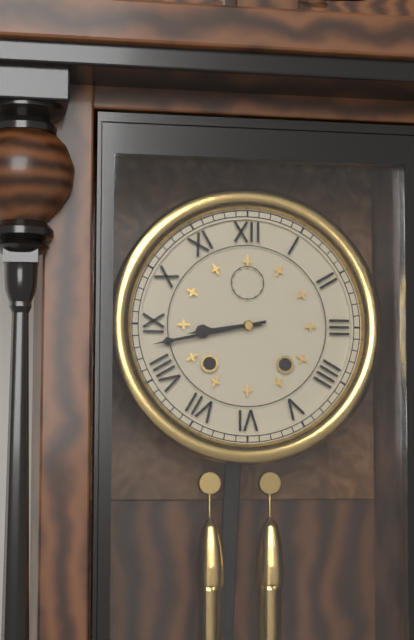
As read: {"hour": 8, "minute": 43}
